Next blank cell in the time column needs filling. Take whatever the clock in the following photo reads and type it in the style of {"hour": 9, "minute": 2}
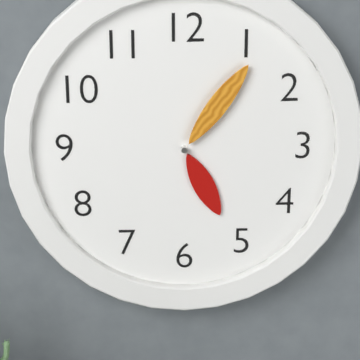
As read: {"hour": 5, "minute": 6}
